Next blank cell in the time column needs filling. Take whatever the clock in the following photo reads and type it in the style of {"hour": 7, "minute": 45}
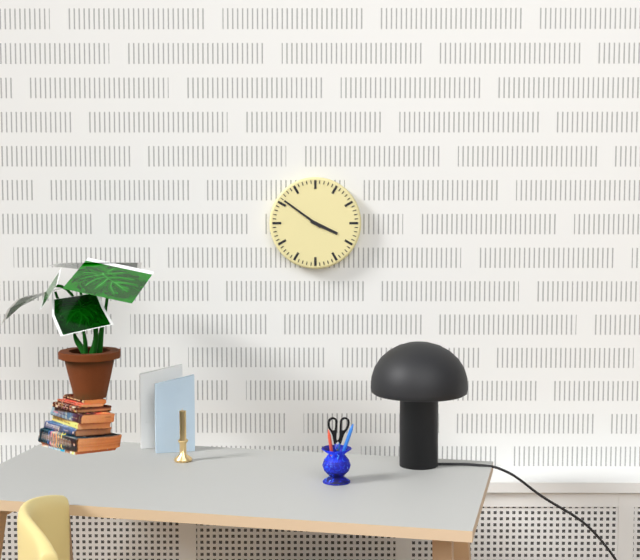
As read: {"hour": 3, "minute": 51}
